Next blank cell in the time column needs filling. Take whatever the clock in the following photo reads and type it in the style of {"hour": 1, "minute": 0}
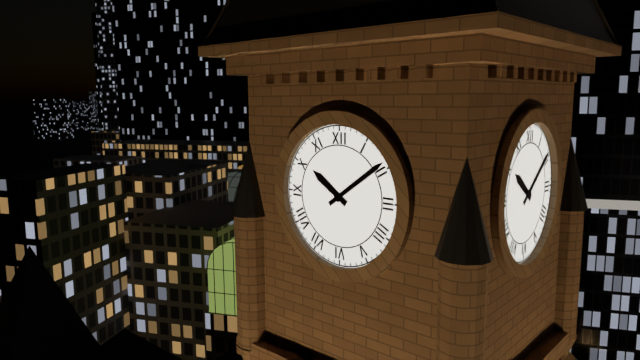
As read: {"hour": 10, "minute": 9}
